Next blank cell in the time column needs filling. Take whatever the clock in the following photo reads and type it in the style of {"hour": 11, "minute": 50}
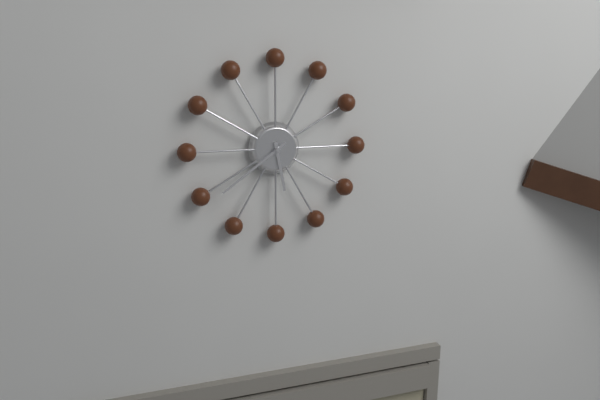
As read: {"hour": 5, "minute": 39}
